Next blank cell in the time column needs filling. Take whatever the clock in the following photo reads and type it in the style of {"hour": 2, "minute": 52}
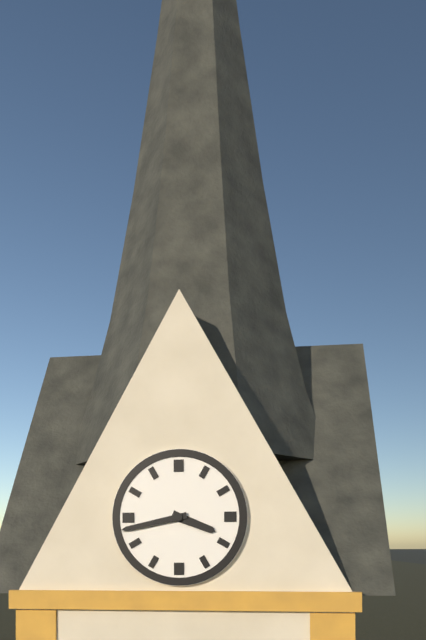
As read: {"hour": 3, "minute": 43}
